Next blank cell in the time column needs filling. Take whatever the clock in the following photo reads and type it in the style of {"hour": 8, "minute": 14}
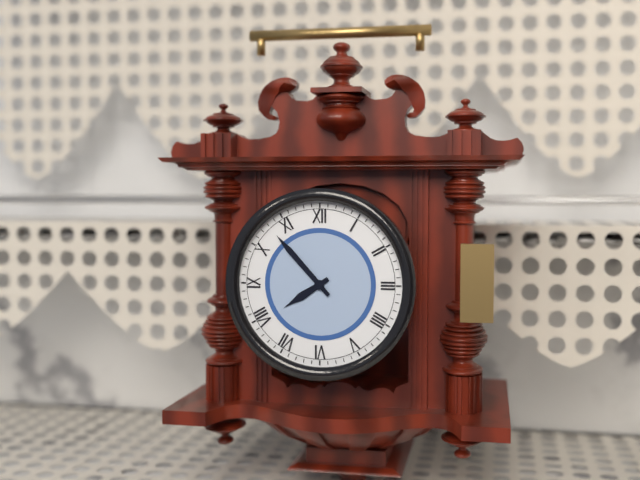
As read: {"hour": 7, "minute": 53}
